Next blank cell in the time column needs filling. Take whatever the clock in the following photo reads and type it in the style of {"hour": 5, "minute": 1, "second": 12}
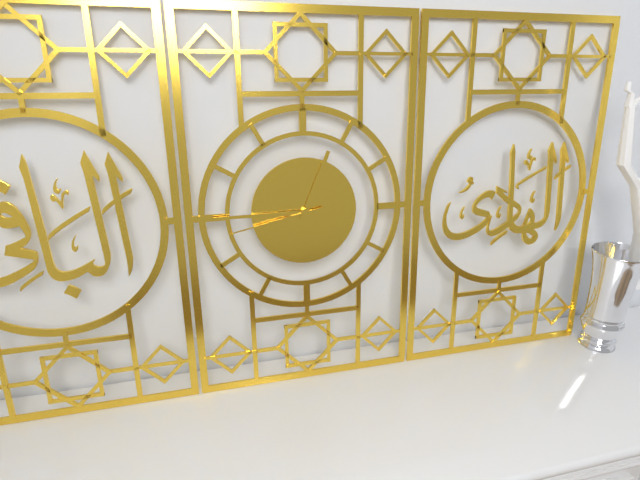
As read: {"hour": 12, "minute": 45, "second": 43}
